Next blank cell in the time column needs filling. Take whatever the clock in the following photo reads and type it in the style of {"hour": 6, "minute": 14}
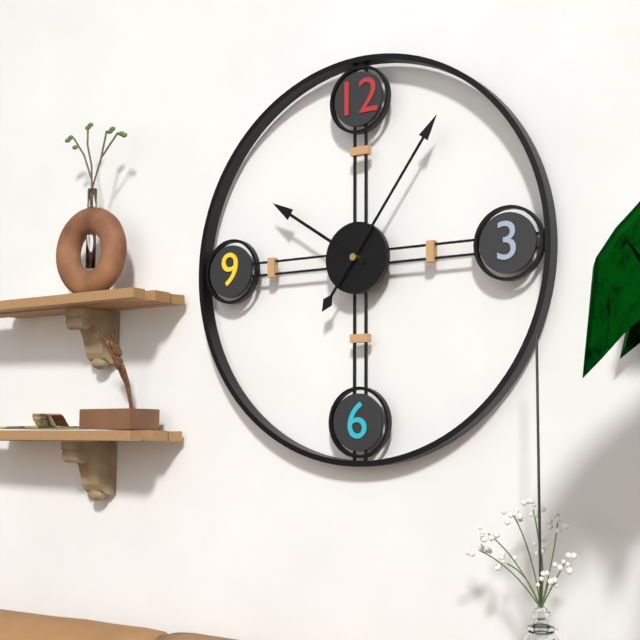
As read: {"hour": 10, "minute": 6}
